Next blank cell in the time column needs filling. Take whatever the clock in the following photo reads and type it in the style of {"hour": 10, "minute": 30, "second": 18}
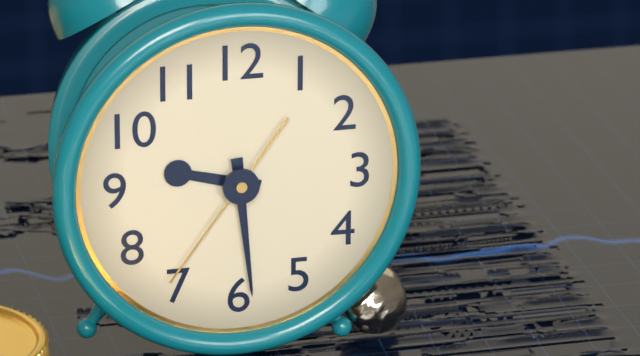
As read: {"hour": 9, "minute": 29, "second": 36}
